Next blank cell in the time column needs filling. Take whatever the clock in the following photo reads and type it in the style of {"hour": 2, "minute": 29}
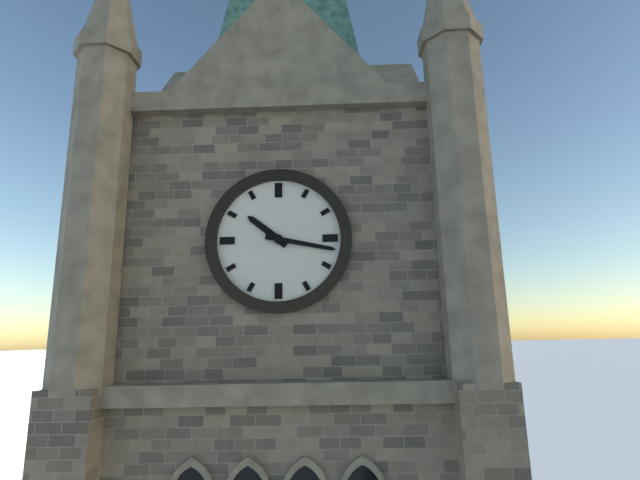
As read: {"hour": 10, "minute": 17}
